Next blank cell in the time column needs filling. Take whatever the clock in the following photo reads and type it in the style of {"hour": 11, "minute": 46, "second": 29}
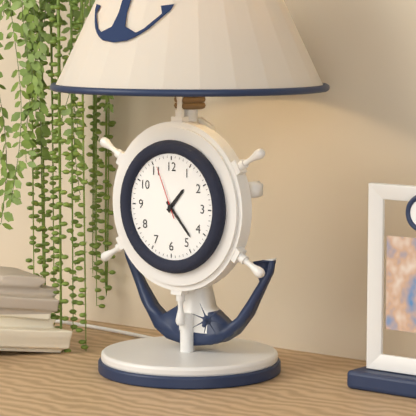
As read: {"hour": 1, "minute": 23, "second": 56}
